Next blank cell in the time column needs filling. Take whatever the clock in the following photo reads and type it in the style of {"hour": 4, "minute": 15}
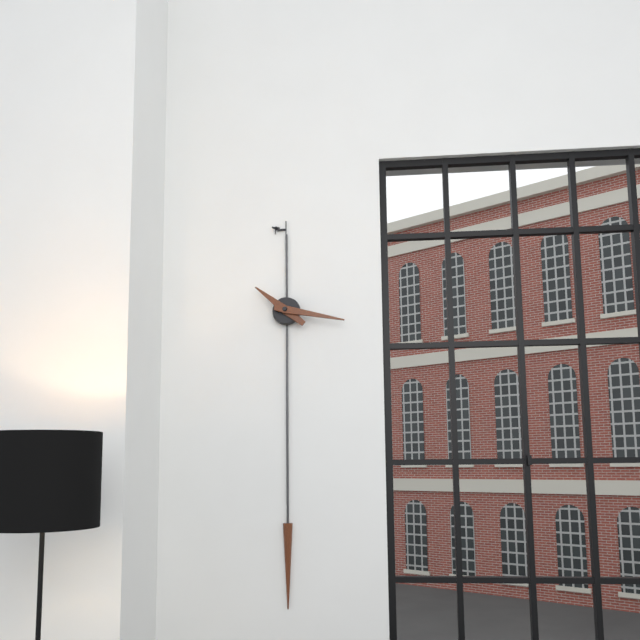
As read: {"hour": 10, "minute": 17}
